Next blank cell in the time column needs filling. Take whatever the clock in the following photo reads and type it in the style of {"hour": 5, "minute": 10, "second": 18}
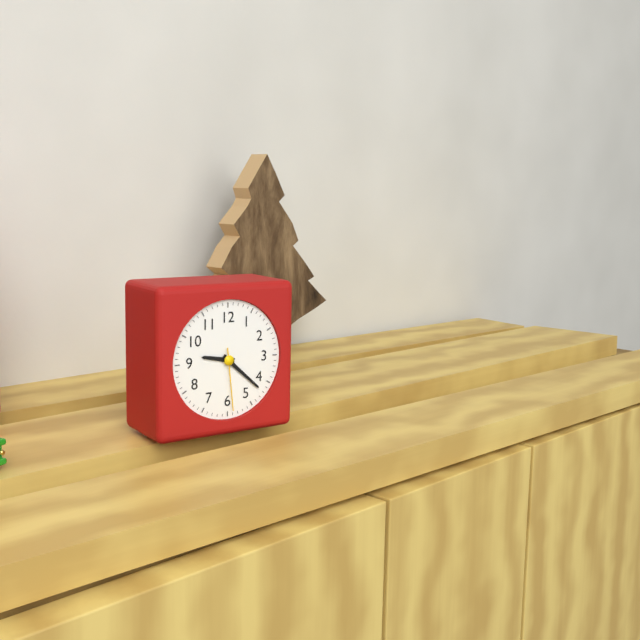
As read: {"hour": 9, "minute": 22, "second": 29}
